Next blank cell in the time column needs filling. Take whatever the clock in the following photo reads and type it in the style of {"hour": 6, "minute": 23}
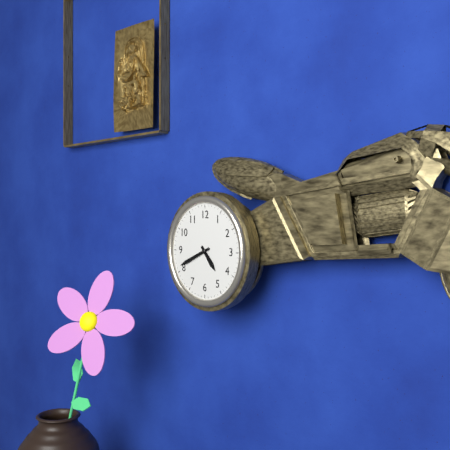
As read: {"hour": 4, "minute": 41}
